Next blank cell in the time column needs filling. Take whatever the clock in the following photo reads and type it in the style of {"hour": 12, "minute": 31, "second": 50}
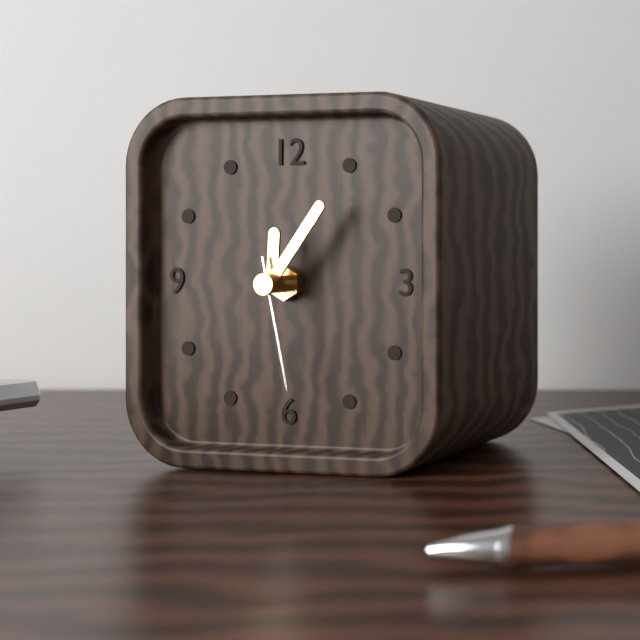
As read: {"hour": 12, "minute": 6, "second": 28}
